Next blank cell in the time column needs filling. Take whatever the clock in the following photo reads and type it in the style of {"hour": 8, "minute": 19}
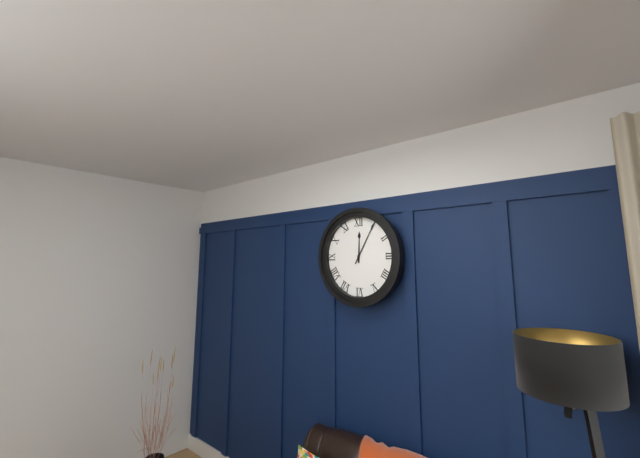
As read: {"hour": 12, "minute": 5}
